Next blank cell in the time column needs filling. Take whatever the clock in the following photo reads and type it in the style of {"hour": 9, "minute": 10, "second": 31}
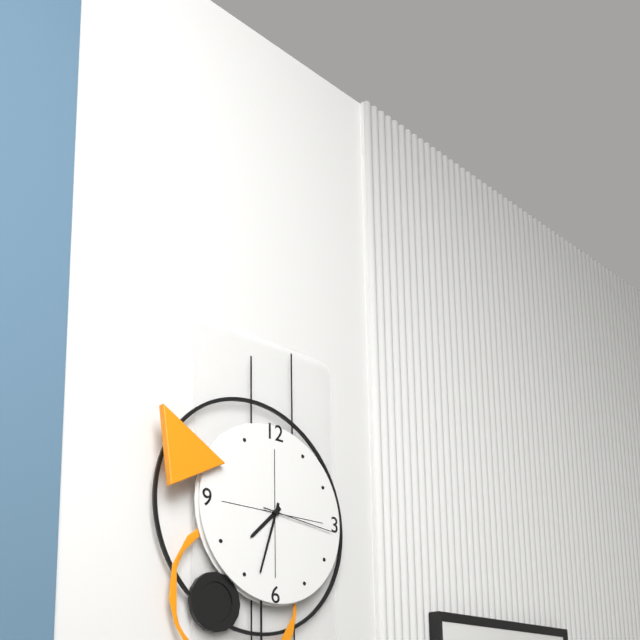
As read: {"hour": 7, "minute": 33, "second": 16}
